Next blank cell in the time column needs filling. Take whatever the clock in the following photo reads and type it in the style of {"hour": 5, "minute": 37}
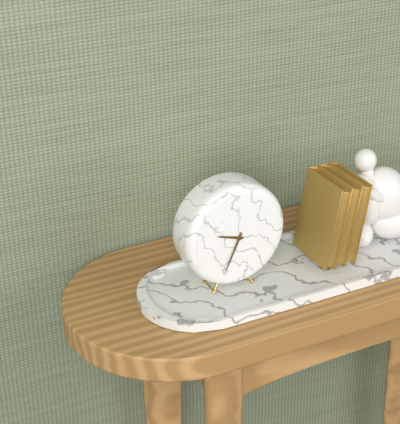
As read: {"hour": 9, "minute": 34}
